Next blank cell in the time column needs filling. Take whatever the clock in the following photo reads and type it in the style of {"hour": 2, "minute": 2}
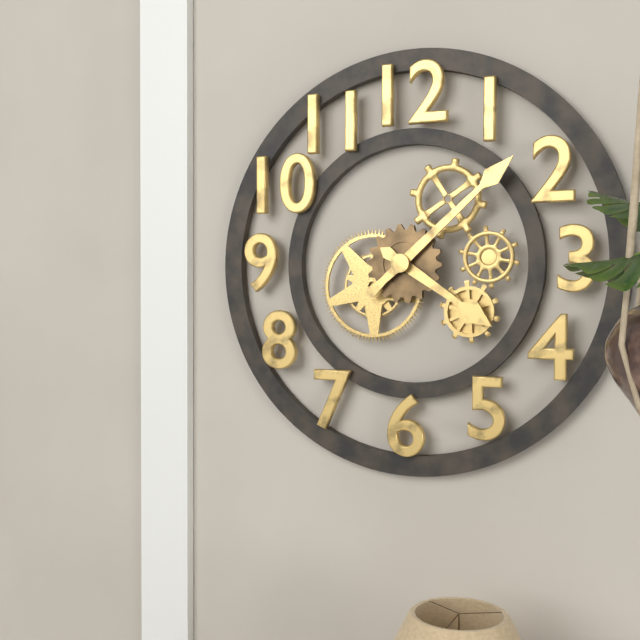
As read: {"hour": 4, "minute": 8}
